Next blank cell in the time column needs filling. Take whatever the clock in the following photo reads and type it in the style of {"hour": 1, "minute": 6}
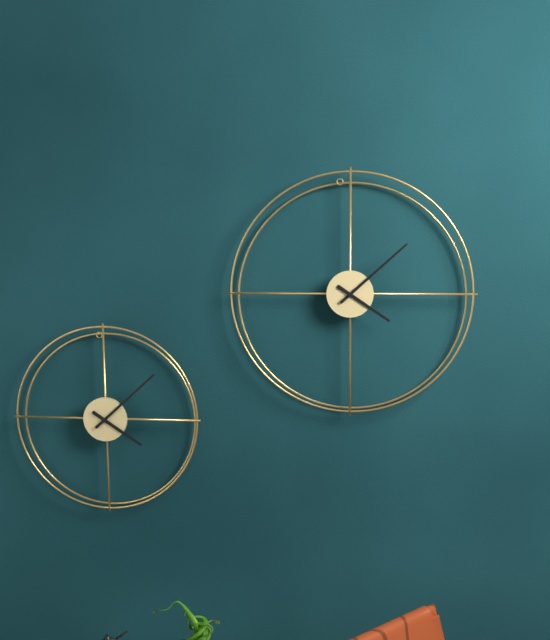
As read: {"hour": 4, "minute": 8}
